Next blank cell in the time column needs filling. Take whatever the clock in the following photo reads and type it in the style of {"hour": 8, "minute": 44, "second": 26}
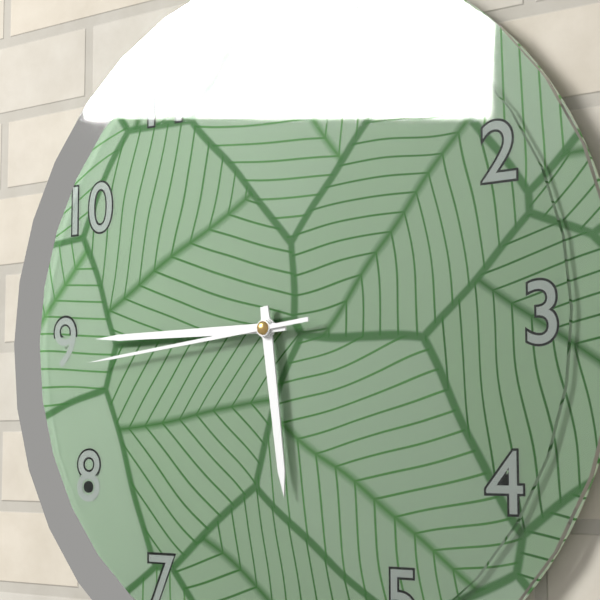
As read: {"hour": 5, "minute": 45, "second": 44}
